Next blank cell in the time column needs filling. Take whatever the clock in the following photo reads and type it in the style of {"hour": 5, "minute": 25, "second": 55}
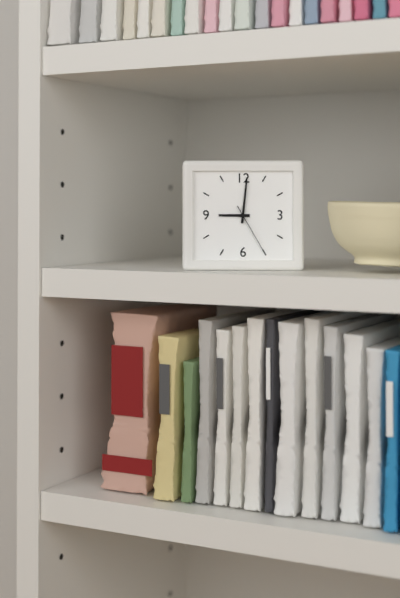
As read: {"hour": 9, "minute": 1, "second": 25}
